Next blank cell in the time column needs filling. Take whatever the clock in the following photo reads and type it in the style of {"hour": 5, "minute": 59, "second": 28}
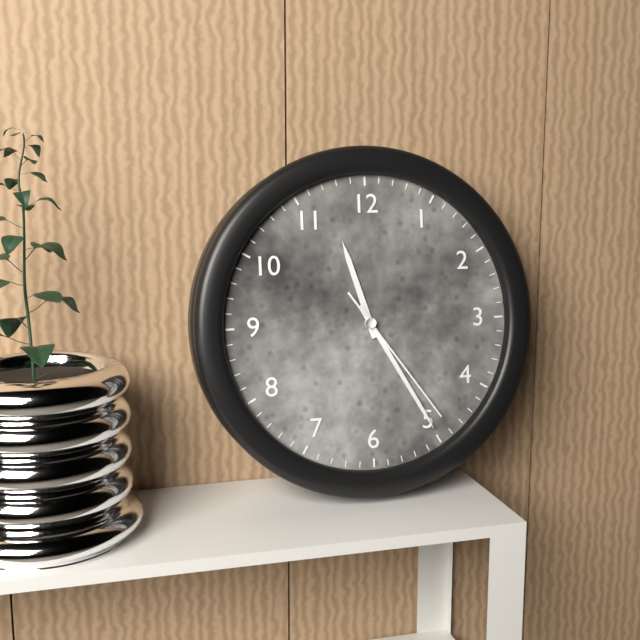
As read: {"hour": 11, "minute": 25, "second": 24}
